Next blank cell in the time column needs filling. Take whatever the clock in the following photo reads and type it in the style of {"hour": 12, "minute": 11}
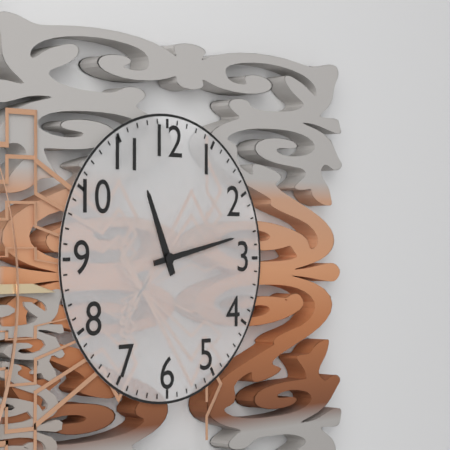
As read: {"hour": 11, "minute": 13}
